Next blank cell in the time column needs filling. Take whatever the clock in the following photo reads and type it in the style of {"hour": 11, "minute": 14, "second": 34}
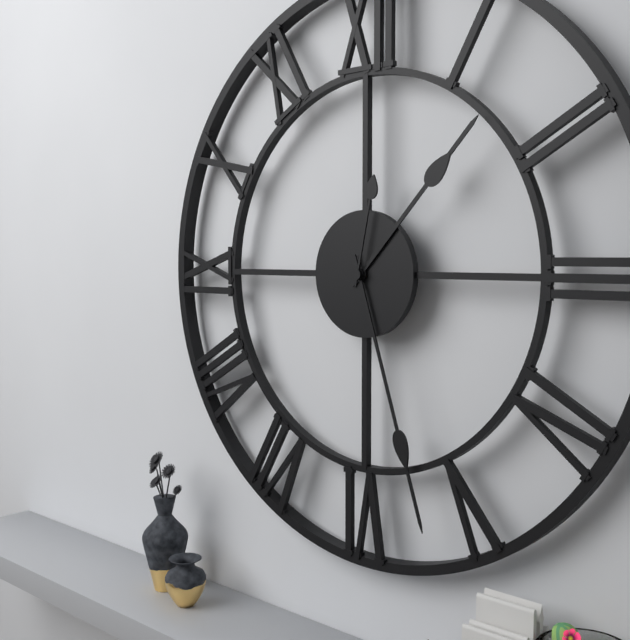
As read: {"hour": 1, "minute": 27, "second": 2}
